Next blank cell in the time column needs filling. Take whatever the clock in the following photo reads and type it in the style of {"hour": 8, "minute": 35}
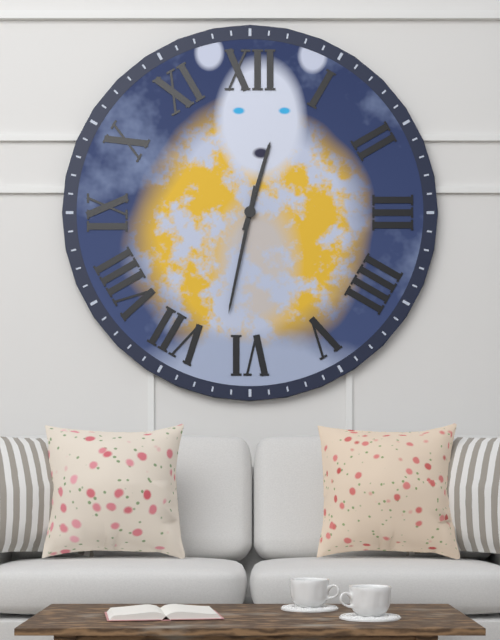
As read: {"hour": 12, "minute": 32}
